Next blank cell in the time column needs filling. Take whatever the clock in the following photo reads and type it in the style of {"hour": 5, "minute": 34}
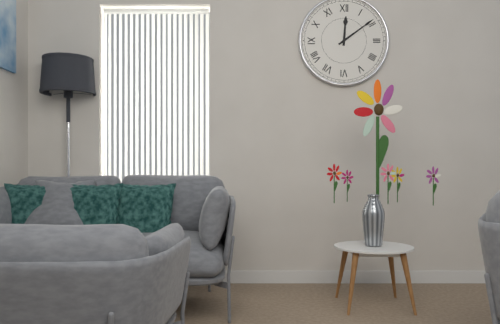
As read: {"hour": 12, "minute": 9}
